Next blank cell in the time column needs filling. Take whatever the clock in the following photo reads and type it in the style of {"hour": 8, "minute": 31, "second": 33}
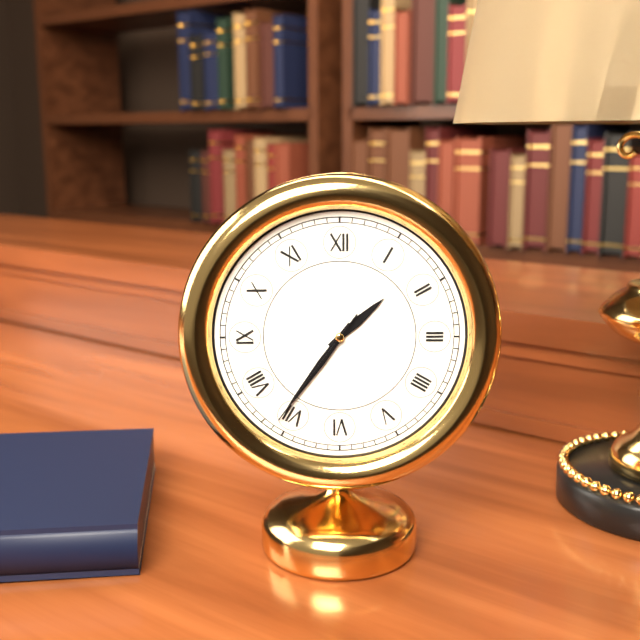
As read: {"hour": 1, "minute": 36, "second": 36}
